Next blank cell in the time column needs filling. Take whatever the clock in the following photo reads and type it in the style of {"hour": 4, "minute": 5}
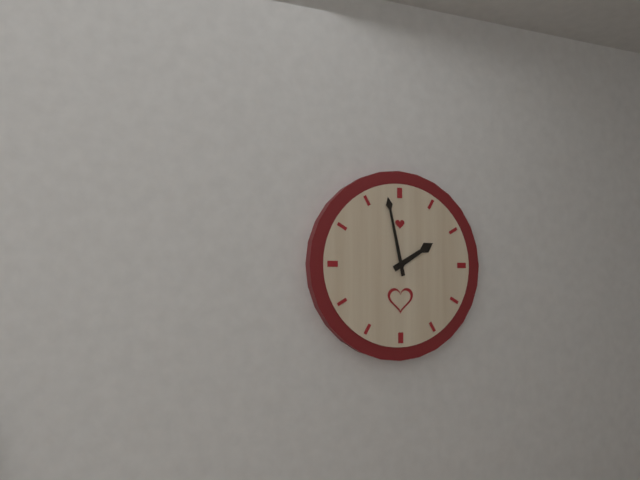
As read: {"hour": 1, "minute": 58}
